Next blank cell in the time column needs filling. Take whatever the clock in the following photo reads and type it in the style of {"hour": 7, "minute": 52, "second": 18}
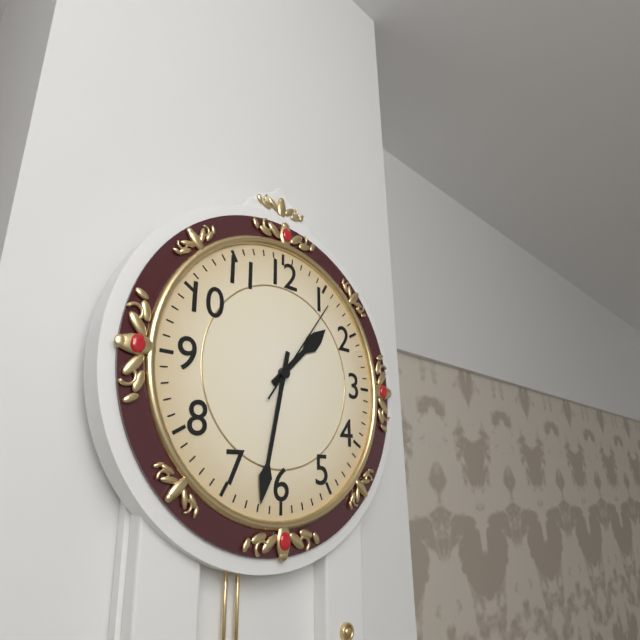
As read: {"hour": 1, "minute": 32, "second": 6}
